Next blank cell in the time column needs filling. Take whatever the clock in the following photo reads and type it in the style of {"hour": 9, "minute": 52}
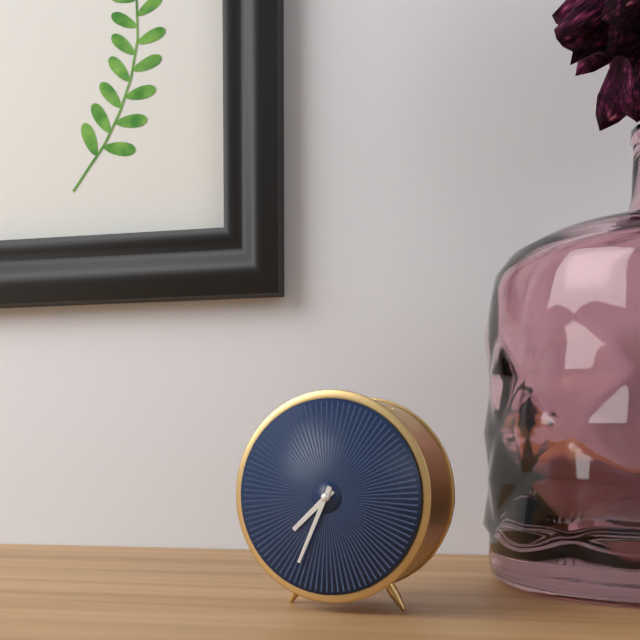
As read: {"hour": 7, "minute": 34}
